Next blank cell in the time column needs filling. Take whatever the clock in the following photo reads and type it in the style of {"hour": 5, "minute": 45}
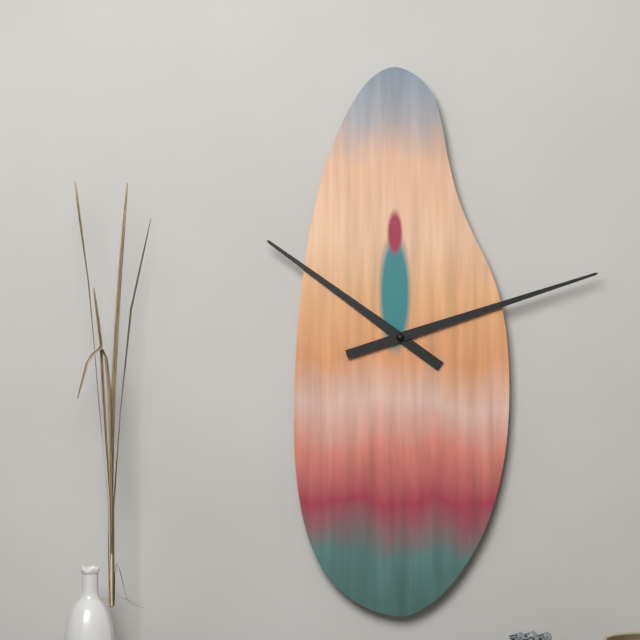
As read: {"hour": 10, "minute": 12}
